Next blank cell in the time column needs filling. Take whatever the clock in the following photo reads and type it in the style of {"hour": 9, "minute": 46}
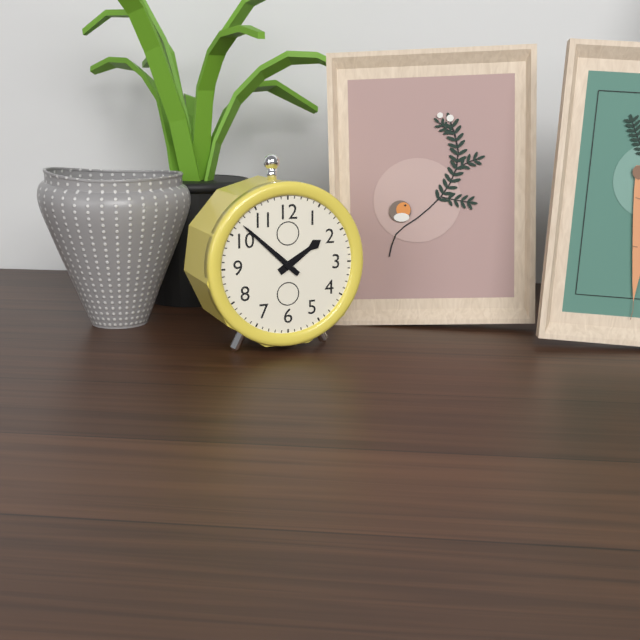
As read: {"hour": 1, "minute": 52}
